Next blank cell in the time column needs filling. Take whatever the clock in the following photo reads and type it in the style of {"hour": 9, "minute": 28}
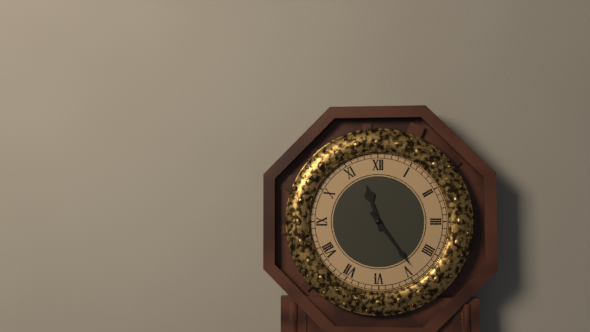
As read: {"hour": 11, "minute": 24}
